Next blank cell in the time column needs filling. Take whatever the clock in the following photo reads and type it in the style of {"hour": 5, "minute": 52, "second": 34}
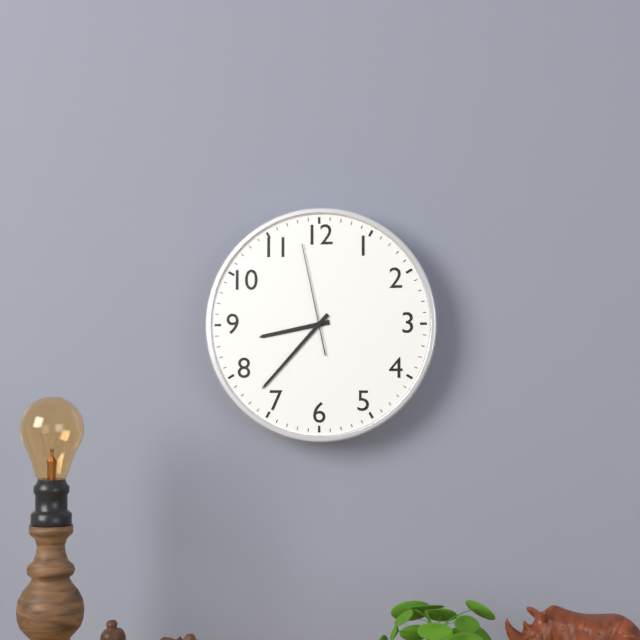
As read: {"hour": 8, "minute": 37, "second": 58}
